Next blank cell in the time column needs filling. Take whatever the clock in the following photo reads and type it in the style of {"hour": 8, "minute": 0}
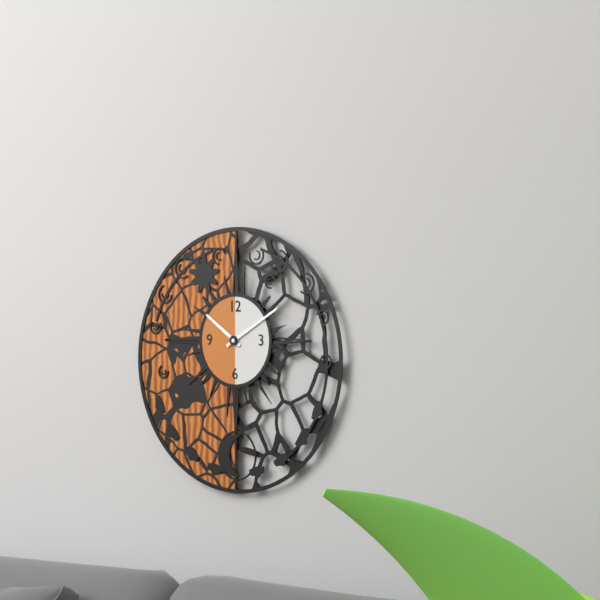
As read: {"hour": 10, "minute": 10}
